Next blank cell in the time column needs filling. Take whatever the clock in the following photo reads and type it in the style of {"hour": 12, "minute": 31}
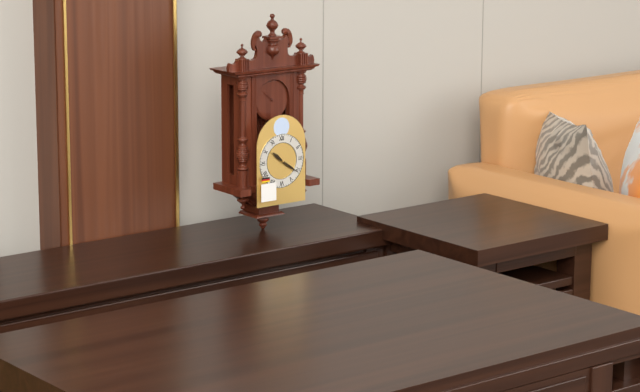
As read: {"hour": 10, "minute": 21}
